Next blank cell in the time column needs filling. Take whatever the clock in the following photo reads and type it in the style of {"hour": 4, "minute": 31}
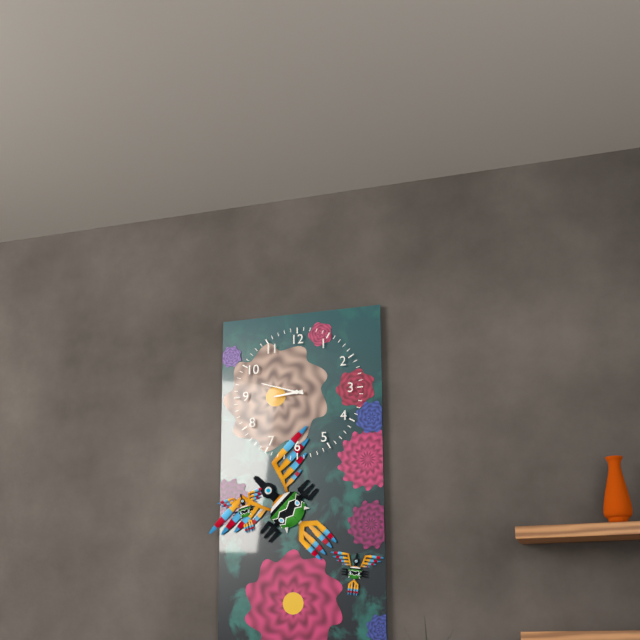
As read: {"hour": 8, "minute": 48}
